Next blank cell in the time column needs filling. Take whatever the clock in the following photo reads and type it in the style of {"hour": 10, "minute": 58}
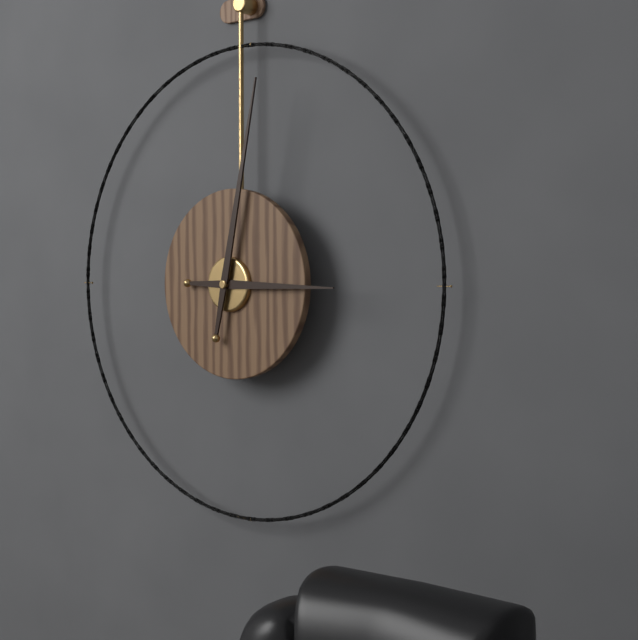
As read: {"hour": 3, "minute": 2}
